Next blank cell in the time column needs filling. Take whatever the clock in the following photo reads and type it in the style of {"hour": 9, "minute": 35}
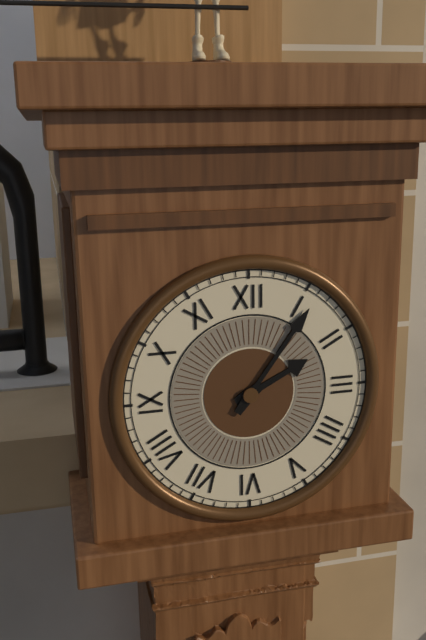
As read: {"hour": 2, "minute": 6}
